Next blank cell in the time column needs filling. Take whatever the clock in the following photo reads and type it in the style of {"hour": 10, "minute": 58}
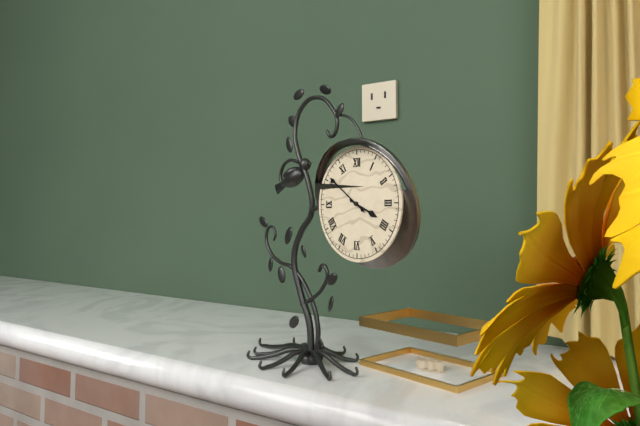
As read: {"hour": 3, "minute": 51}
